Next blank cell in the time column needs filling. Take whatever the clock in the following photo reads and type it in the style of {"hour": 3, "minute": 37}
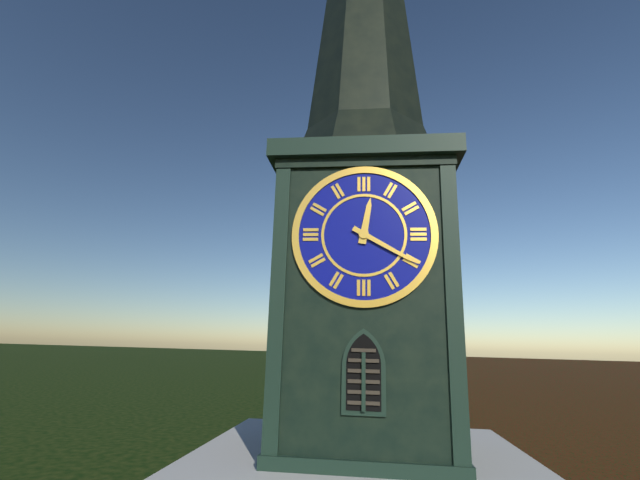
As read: {"hour": 12, "minute": 20}
